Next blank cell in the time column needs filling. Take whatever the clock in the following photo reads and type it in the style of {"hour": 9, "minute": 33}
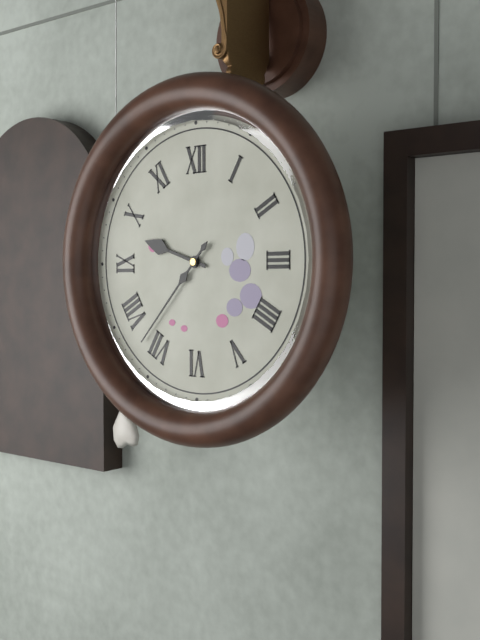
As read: {"hour": 9, "minute": 37}
